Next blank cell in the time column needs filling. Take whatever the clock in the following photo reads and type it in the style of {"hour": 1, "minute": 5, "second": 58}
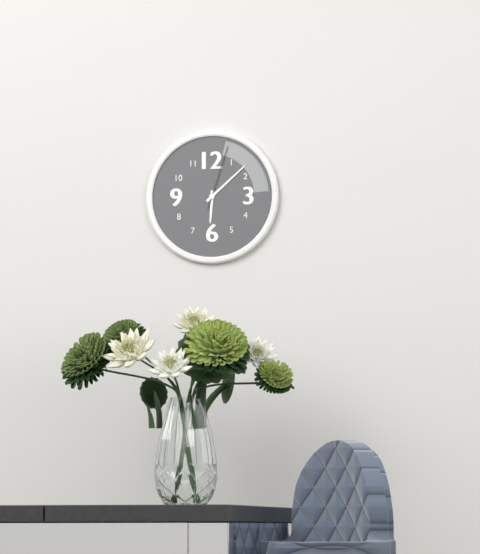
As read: {"hour": 6, "minute": 8, "second": 3}
